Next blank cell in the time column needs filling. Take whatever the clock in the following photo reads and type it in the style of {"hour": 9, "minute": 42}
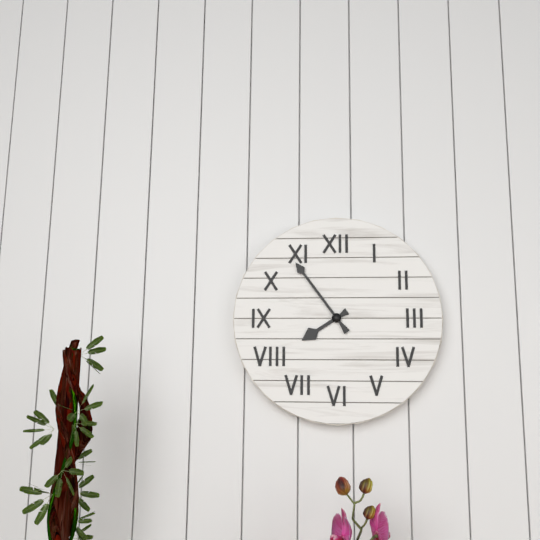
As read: {"hour": 7, "minute": 54}
